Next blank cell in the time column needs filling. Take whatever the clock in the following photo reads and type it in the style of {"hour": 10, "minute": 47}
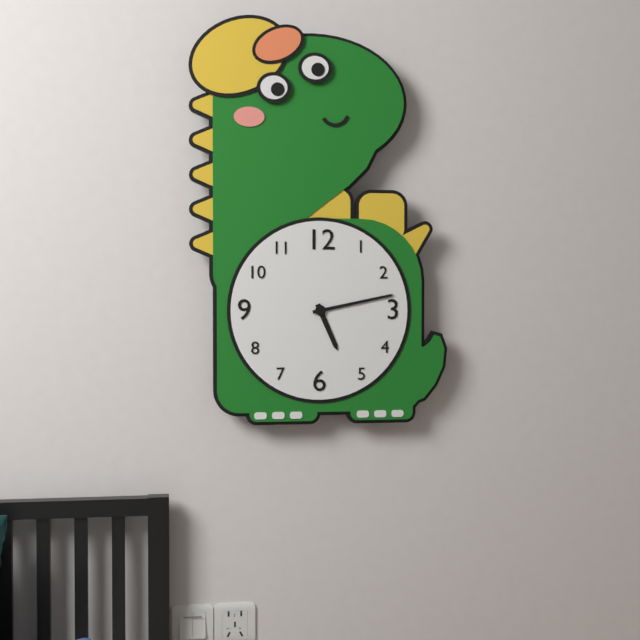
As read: {"hour": 5, "minute": 13}
